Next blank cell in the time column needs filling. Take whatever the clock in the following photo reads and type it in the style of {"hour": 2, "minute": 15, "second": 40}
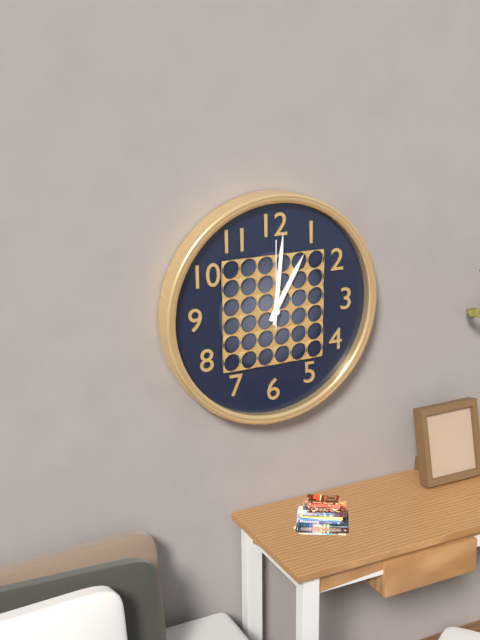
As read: {"hour": 1, "minute": 1, "second": 0}
